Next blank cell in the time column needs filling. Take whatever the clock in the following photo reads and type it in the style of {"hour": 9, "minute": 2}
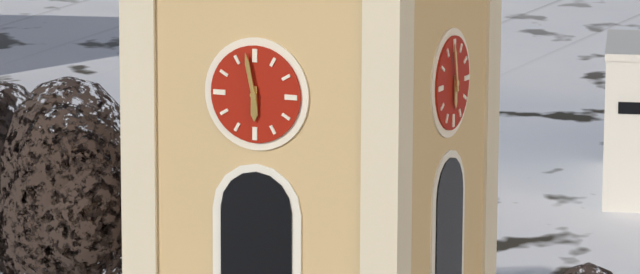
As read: {"hour": 5, "minute": 58}
